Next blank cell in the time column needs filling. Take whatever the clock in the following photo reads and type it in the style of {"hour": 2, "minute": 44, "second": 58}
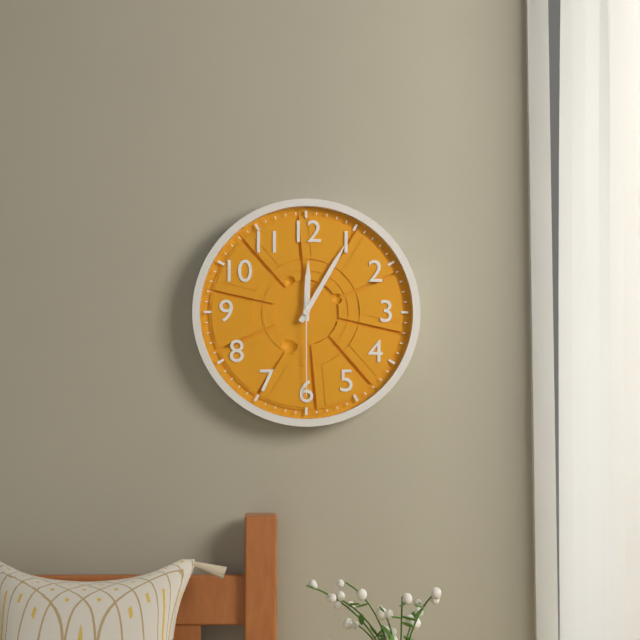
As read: {"hour": 12, "minute": 5, "second": 30}
